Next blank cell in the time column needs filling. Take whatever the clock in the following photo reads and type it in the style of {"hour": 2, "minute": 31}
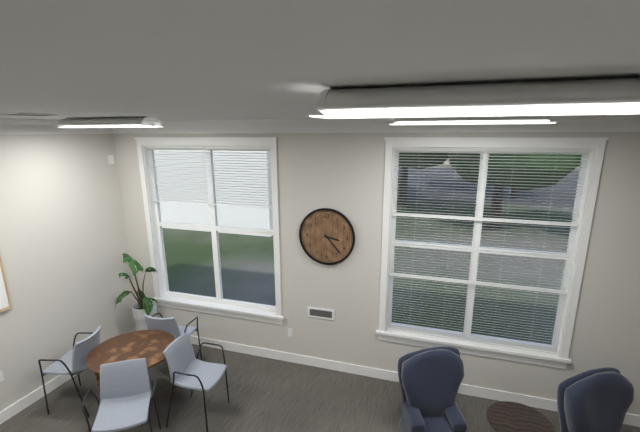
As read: {"hour": 3, "minute": 23}
